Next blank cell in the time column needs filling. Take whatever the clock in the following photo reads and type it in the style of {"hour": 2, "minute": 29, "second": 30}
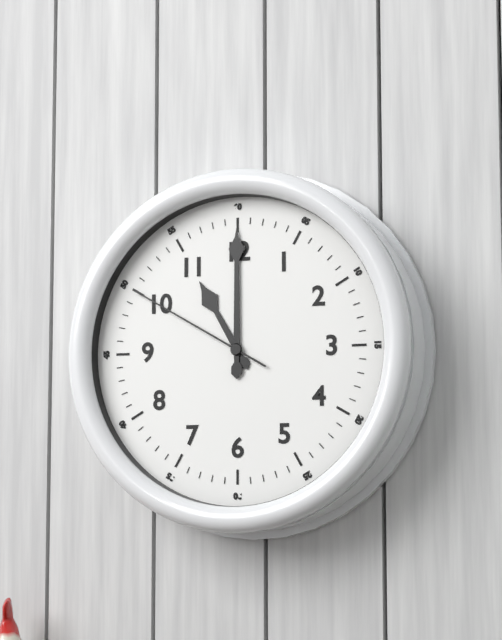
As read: {"hour": 11, "minute": 0, "second": 50}
